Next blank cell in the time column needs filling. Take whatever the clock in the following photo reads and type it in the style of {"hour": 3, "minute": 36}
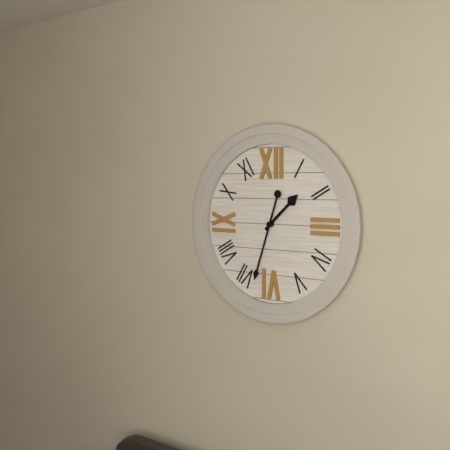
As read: {"hour": 1, "minute": 33}
